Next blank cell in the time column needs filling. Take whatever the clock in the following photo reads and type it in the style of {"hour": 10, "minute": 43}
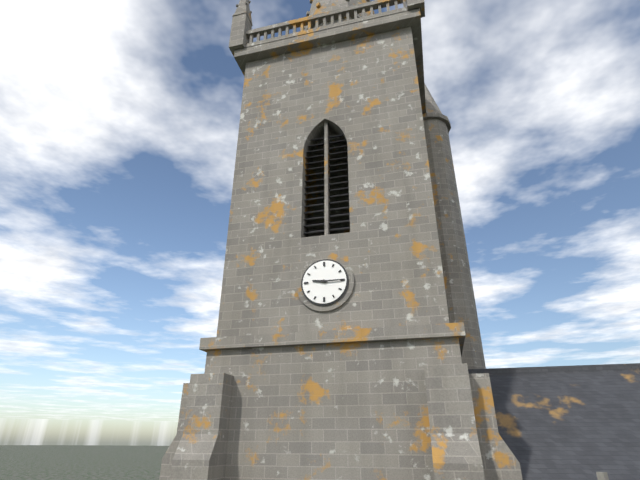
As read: {"hour": 9, "minute": 15}
